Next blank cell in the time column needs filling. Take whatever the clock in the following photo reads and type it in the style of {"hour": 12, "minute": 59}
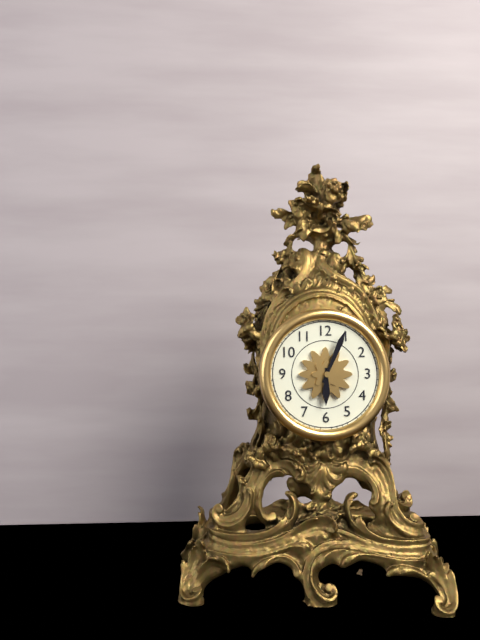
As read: {"hour": 6, "minute": 4}
